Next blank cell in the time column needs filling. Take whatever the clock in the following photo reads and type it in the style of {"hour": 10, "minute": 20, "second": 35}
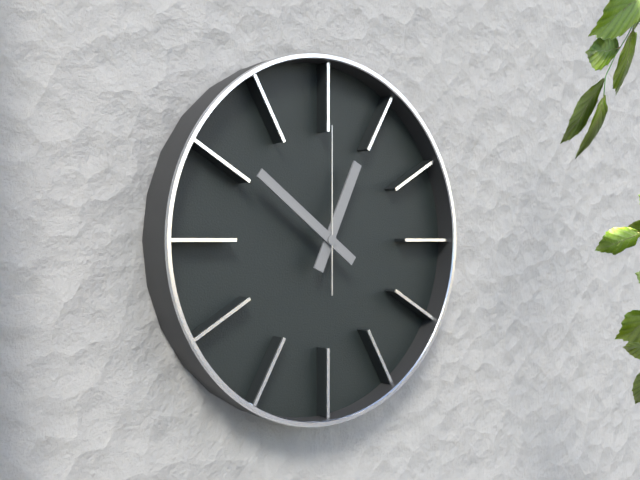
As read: {"hour": 12, "minute": 51, "second": 0}
